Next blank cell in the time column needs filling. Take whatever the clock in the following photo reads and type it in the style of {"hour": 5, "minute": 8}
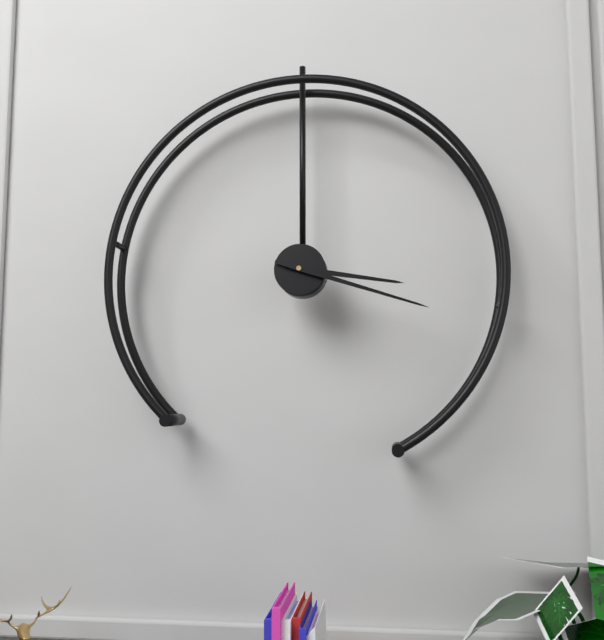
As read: {"hour": 3, "minute": 18}
